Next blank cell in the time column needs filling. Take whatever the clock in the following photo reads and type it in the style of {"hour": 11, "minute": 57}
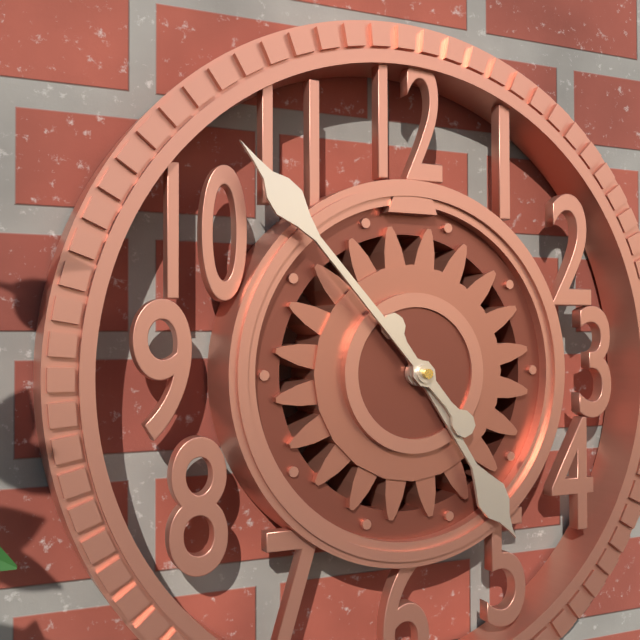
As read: {"hour": 4, "minute": 53}
